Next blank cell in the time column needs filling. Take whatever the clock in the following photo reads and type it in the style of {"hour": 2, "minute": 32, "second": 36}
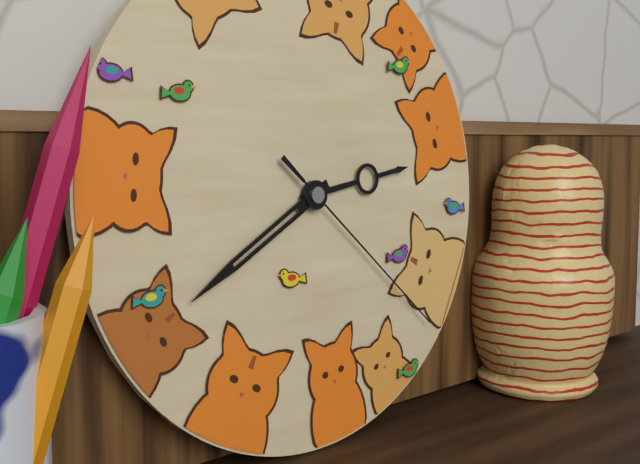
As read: {"hour": 2, "minute": 40, "second": 22}
